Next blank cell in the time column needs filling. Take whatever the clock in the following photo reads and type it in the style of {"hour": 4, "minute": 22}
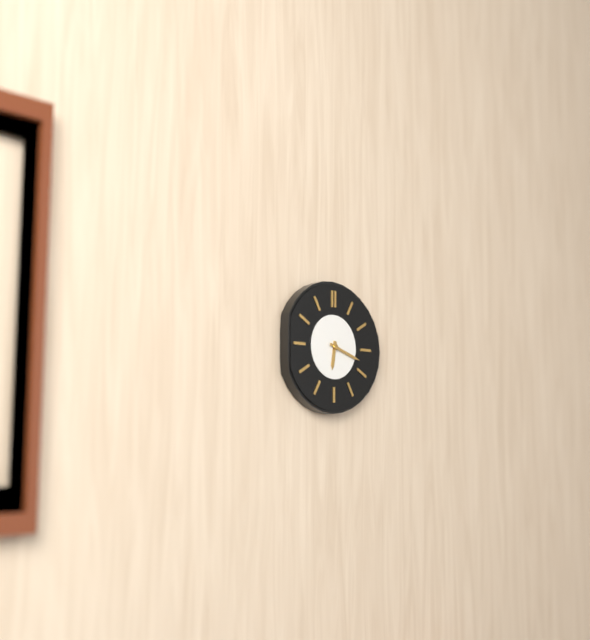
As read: {"hour": 6, "minute": 18}
